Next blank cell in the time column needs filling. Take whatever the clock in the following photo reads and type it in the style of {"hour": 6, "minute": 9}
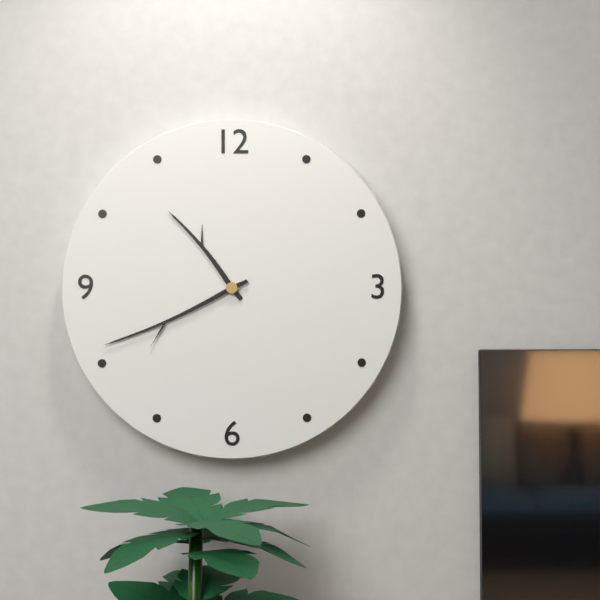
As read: {"hour": 10, "minute": 41}
